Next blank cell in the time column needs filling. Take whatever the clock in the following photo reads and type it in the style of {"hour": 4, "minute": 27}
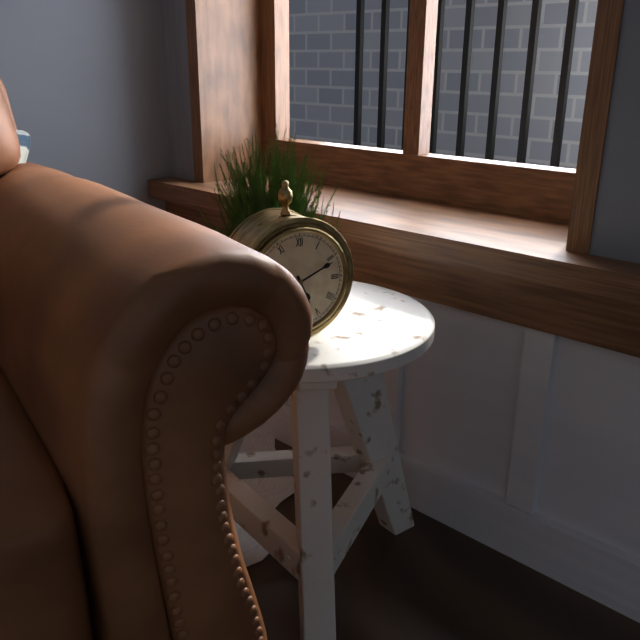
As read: {"hour": 5, "minute": 11}
